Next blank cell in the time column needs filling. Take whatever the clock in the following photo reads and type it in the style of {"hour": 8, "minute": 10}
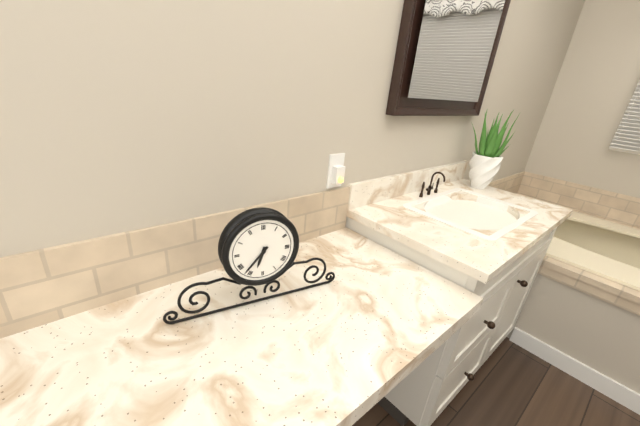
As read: {"hour": 6, "minute": 37}
